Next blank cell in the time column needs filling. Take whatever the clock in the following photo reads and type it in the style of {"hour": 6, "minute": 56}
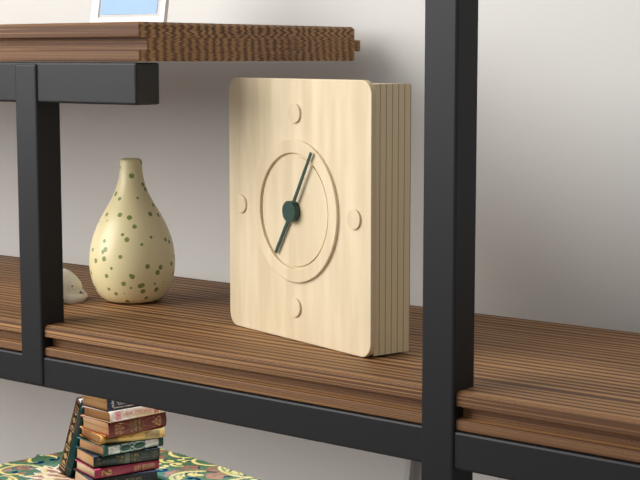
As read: {"hour": 7, "minute": 5}
